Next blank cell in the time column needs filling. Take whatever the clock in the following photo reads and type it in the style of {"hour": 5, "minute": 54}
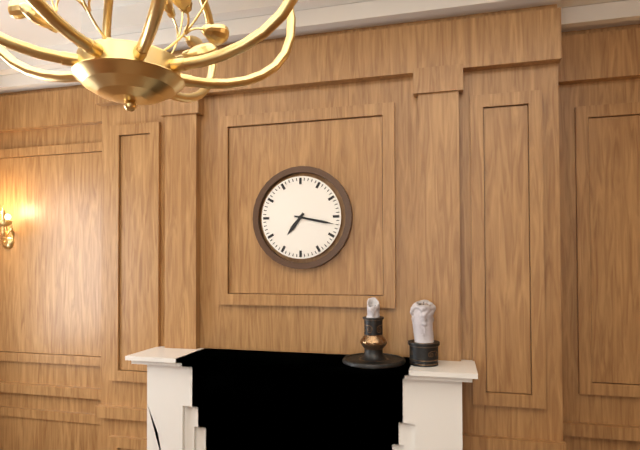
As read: {"hour": 7, "minute": 17}
